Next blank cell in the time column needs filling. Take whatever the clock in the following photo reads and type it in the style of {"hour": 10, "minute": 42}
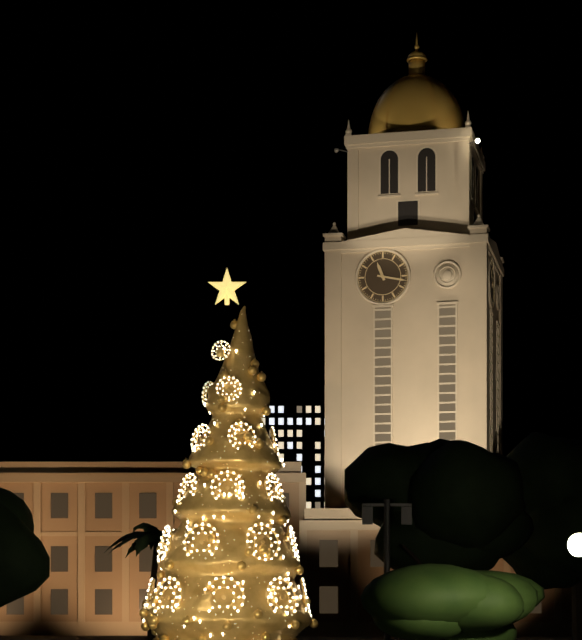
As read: {"hour": 11, "minute": 17}
